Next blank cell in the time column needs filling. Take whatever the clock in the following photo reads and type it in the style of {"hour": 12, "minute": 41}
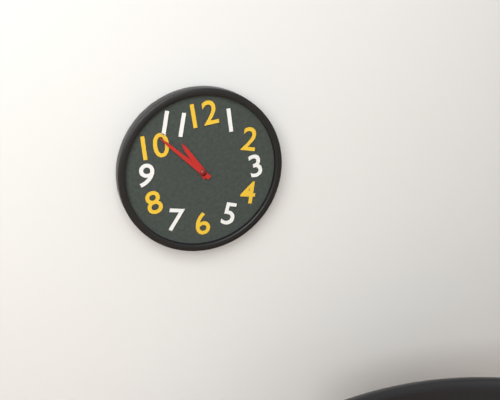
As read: {"hour": 10, "minute": 52}
